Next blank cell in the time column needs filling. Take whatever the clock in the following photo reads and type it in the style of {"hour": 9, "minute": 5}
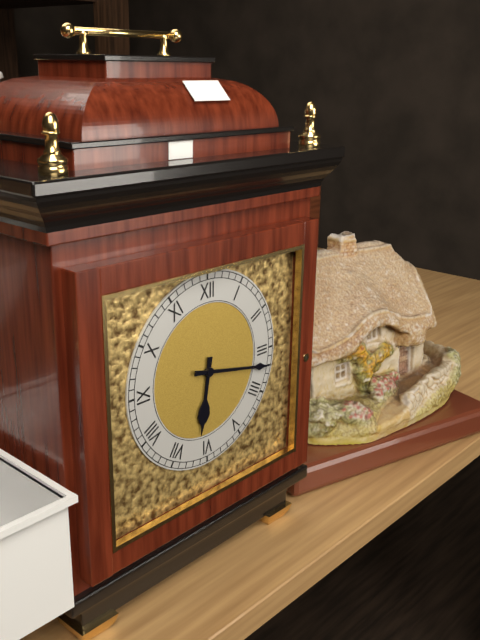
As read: {"hour": 6, "minute": 17}
